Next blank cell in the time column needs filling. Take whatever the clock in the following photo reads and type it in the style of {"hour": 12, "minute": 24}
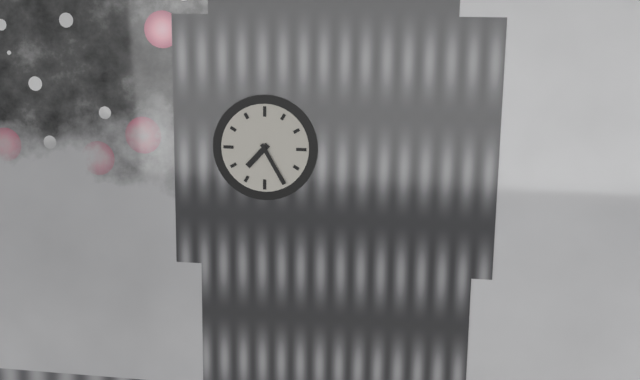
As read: {"hour": 7, "minute": 25}
